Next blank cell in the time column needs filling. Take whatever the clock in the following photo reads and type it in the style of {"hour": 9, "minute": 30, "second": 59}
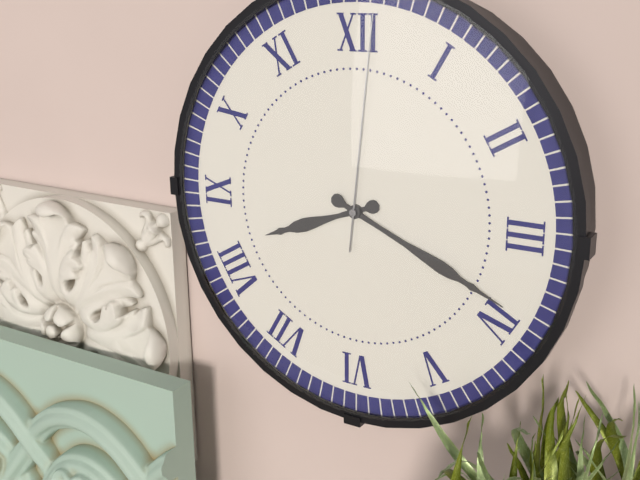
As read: {"hour": 8, "minute": 19, "second": 1}
